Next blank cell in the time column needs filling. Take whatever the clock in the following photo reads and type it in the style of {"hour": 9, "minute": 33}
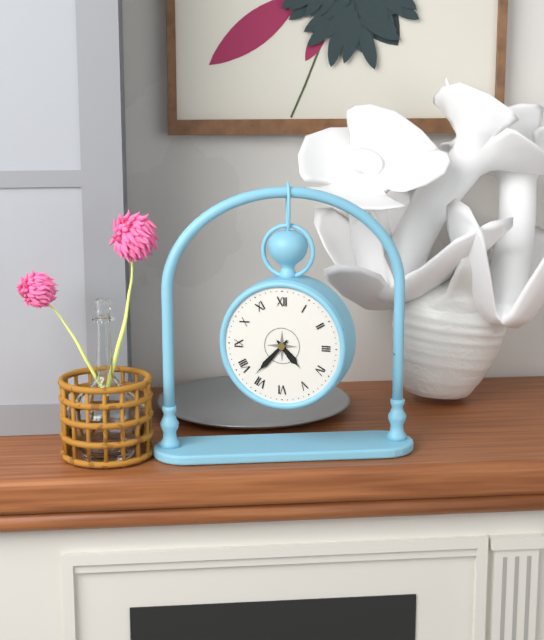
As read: {"hour": 4, "minute": 37}
